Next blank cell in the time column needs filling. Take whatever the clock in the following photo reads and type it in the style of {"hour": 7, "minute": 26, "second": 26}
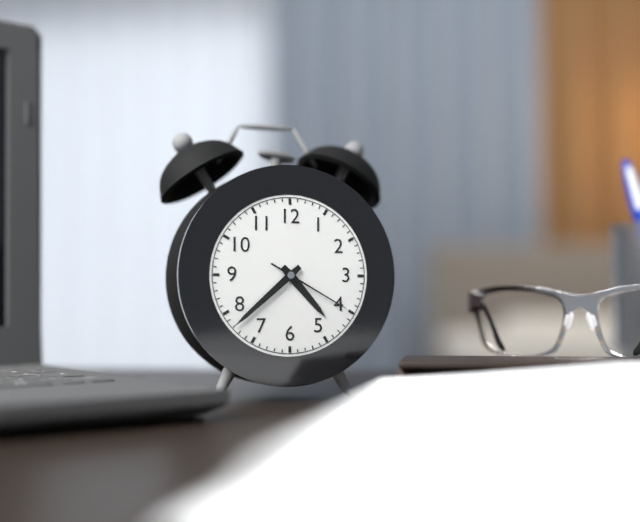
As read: {"hour": 4, "minute": 38, "second": 20}
